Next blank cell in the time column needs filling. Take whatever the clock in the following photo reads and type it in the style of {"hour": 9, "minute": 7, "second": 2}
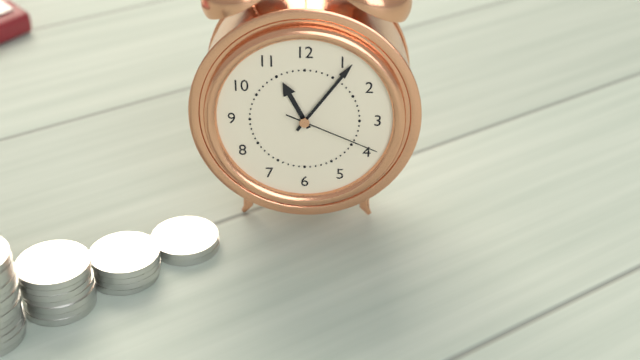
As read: {"hour": 11, "minute": 6, "second": 19}
